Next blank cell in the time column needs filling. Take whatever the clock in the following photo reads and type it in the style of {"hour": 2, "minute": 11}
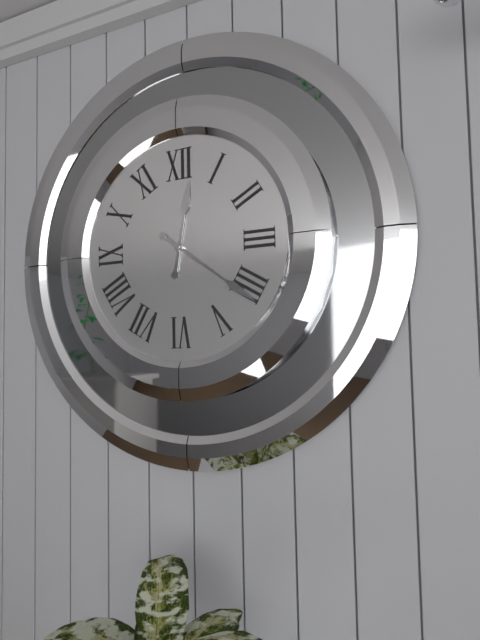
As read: {"hour": 12, "minute": 21}
